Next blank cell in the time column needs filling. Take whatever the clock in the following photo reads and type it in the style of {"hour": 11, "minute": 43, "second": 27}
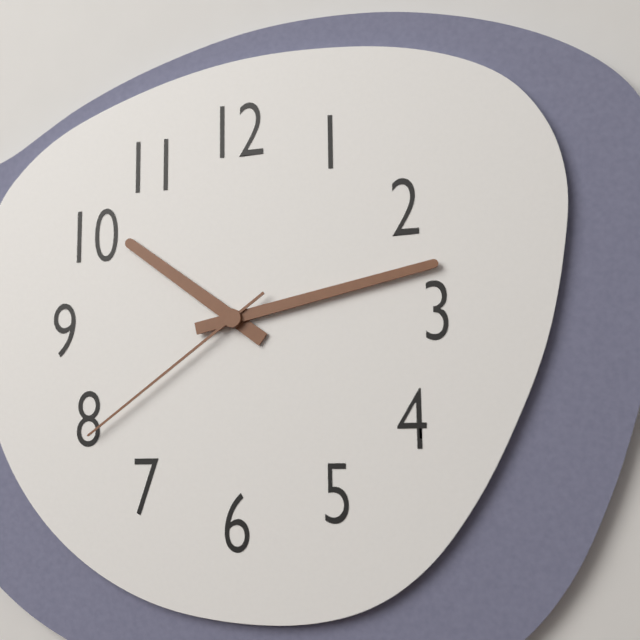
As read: {"hour": 10, "minute": 13, "second": 39}
